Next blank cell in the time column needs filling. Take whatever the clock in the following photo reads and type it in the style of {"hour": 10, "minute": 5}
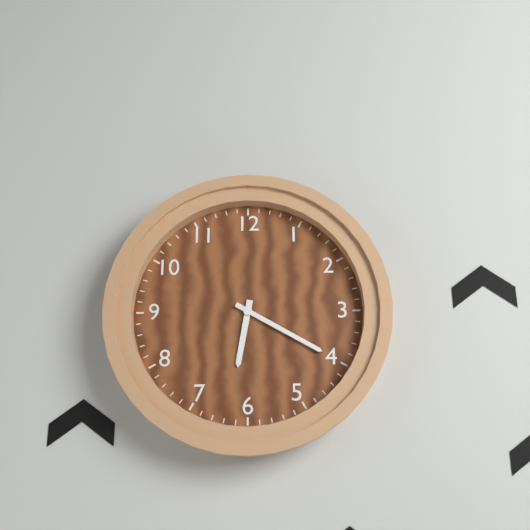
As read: {"hour": 6, "minute": 20}
